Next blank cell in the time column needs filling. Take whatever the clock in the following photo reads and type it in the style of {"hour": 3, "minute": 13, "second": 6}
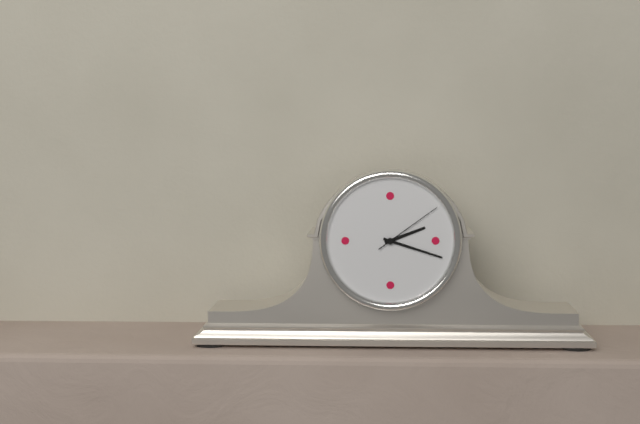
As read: {"hour": 2, "minute": 18, "second": 9}
